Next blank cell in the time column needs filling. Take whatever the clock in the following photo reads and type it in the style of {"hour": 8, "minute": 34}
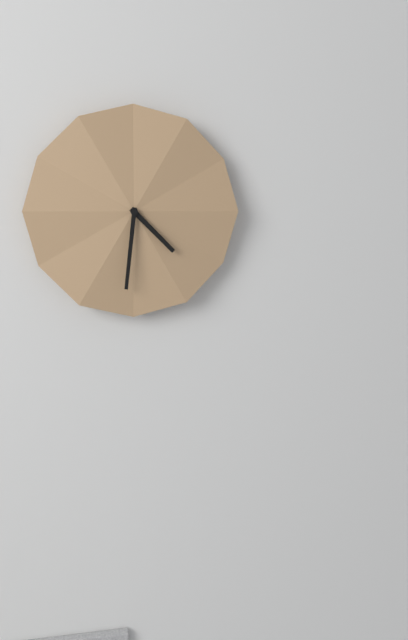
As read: {"hour": 4, "minute": 31}
